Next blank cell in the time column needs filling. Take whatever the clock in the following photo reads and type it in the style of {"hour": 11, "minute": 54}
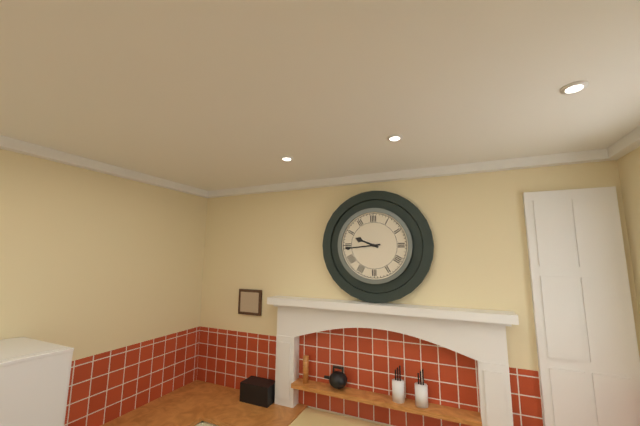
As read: {"hour": 9, "minute": 44}
